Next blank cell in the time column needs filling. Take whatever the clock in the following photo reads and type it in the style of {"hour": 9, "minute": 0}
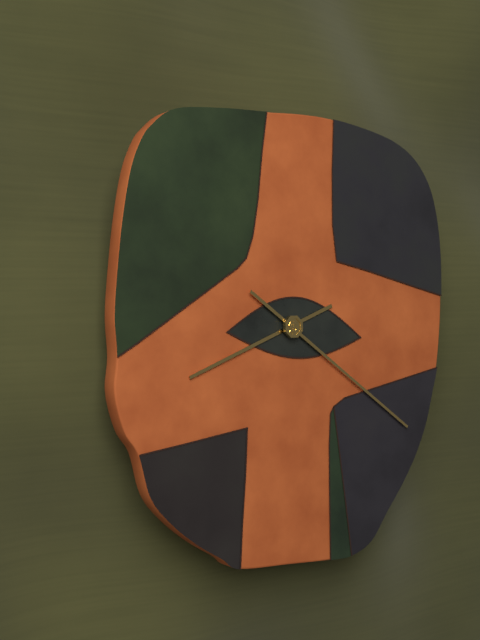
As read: {"hour": 8, "minute": 21}
